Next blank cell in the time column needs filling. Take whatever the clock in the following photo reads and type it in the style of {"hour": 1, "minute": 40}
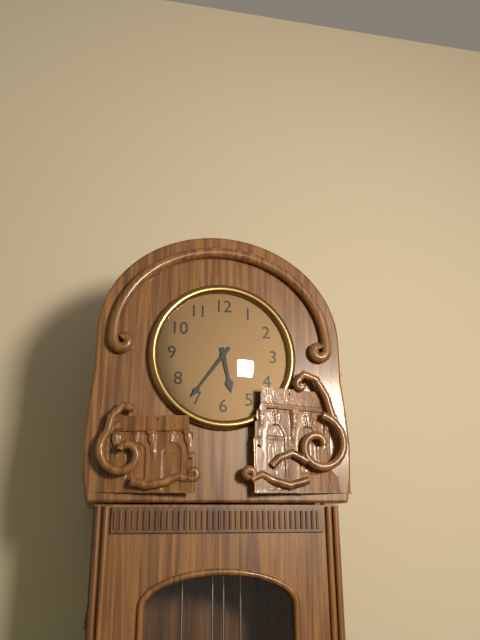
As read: {"hour": 5, "minute": 36}
